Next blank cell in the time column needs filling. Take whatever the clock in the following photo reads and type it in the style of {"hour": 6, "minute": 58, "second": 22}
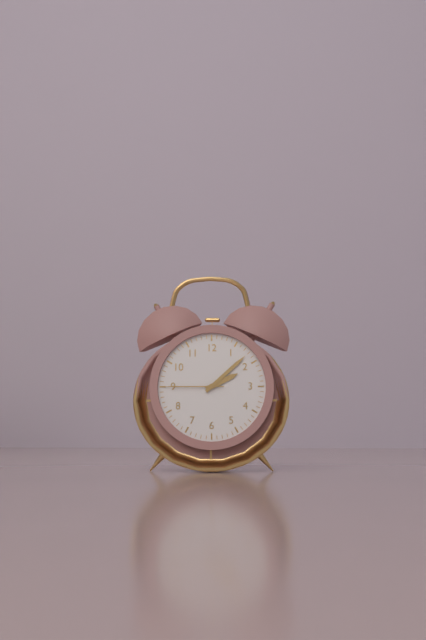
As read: {"hour": 2, "minute": 8, "second": 45}
